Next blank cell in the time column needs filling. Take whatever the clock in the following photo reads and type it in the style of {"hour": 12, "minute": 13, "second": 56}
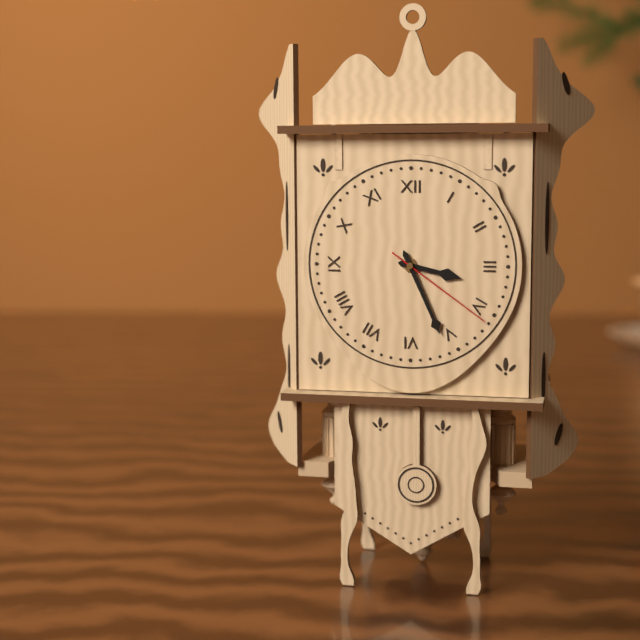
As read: {"hour": 3, "minute": 26, "second": 21}
